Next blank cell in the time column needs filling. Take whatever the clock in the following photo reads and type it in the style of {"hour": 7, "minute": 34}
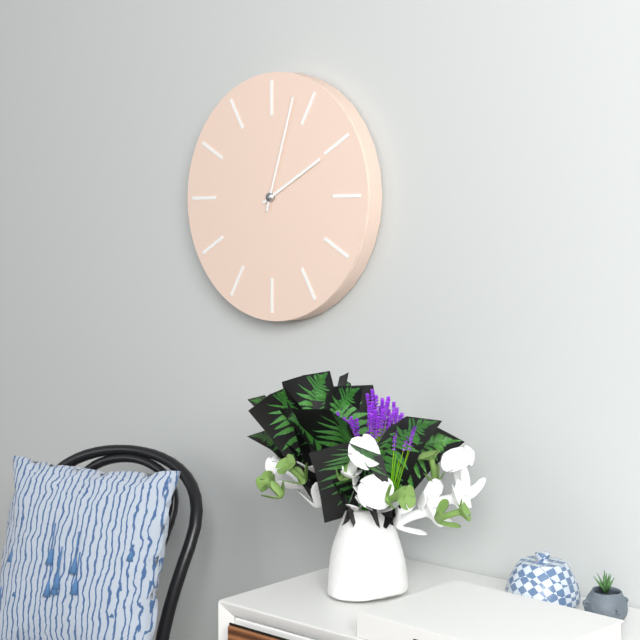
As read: {"hour": 2, "minute": 3}
